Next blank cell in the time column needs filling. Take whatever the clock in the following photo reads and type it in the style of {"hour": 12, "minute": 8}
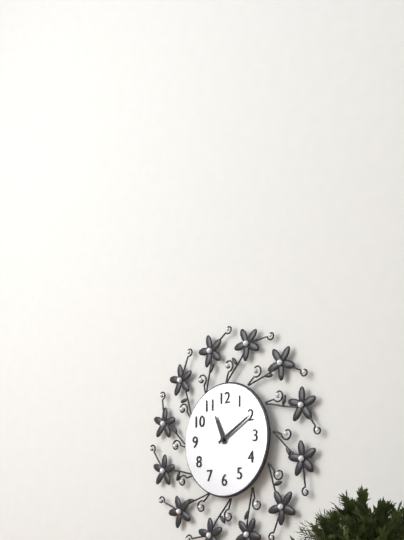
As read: {"hour": 11, "minute": 10}
